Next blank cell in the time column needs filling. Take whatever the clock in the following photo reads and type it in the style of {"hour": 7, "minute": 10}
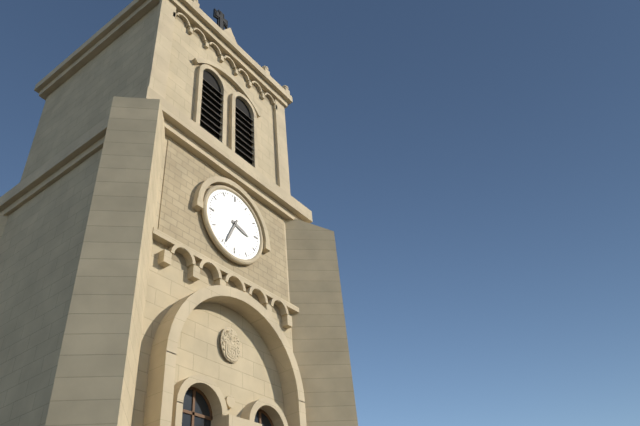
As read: {"hour": 3, "minute": 34}
